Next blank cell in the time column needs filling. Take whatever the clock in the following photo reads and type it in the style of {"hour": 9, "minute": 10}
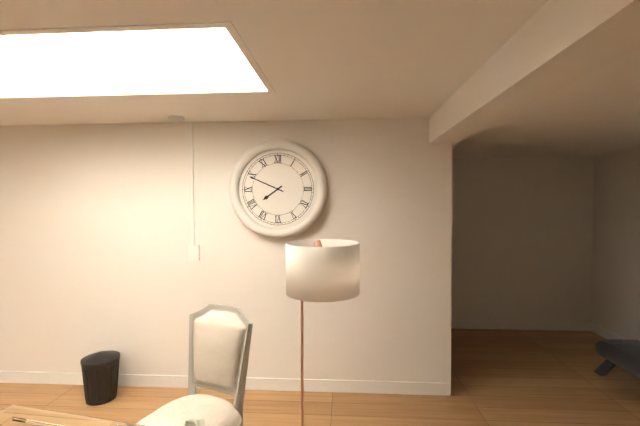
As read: {"hour": 7, "minute": 49}
